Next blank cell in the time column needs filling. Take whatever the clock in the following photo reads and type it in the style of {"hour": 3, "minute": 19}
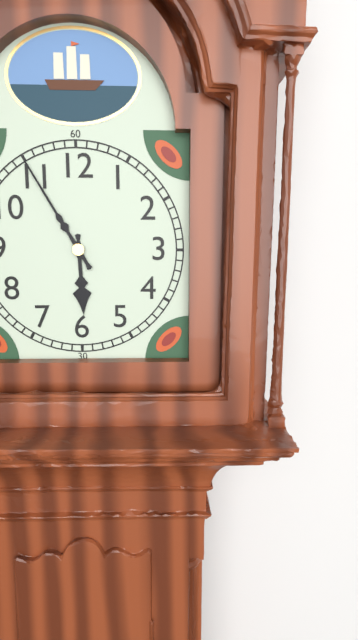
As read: {"hour": 5, "minute": 55}
